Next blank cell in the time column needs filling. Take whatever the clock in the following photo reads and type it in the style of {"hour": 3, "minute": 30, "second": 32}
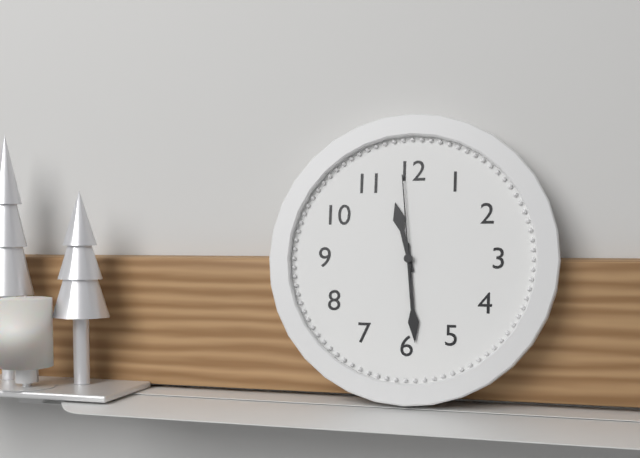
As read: {"hour": 11, "minute": 29, "second": 59}
